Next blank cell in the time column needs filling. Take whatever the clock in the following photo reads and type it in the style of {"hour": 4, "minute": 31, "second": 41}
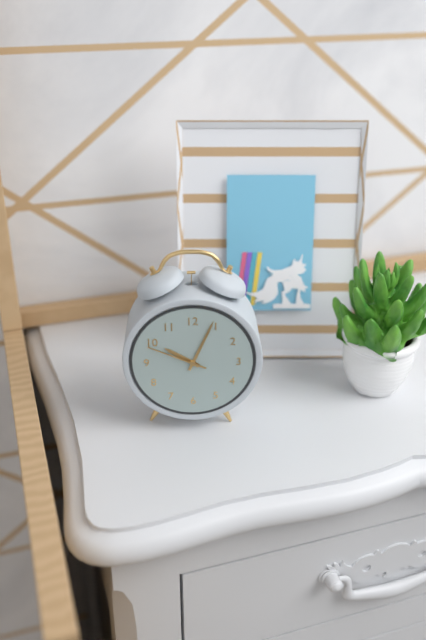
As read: {"hour": 10, "minute": 4, "second": 49}
